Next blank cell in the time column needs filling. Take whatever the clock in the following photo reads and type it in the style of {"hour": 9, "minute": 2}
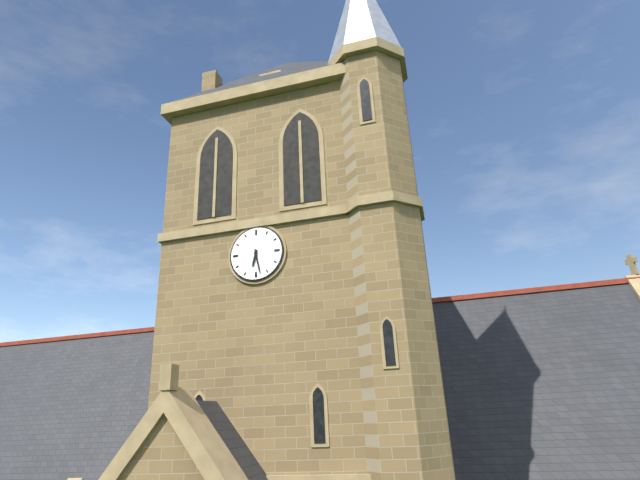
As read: {"hour": 6, "minute": 28}
